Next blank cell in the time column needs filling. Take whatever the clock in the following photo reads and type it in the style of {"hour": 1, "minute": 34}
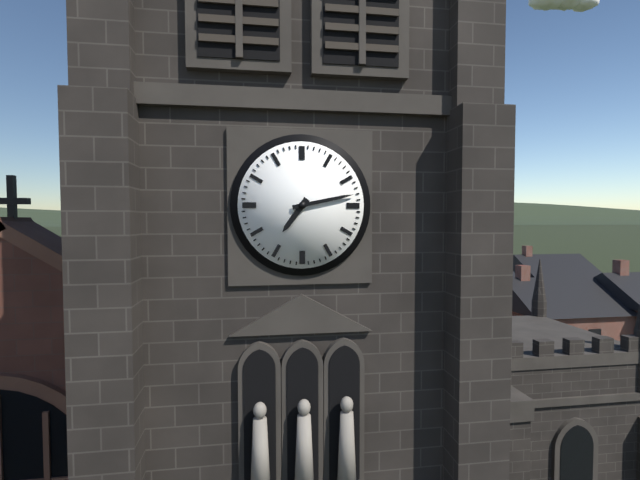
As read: {"hour": 7, "minute": 13}
